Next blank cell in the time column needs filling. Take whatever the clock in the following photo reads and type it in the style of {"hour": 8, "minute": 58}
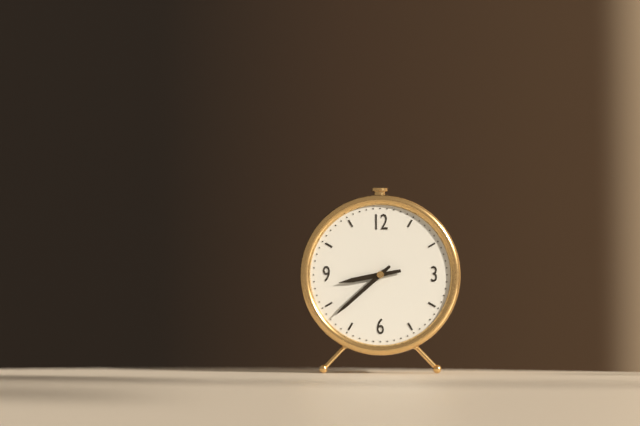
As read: {"hour": 8, "minute": 38}
